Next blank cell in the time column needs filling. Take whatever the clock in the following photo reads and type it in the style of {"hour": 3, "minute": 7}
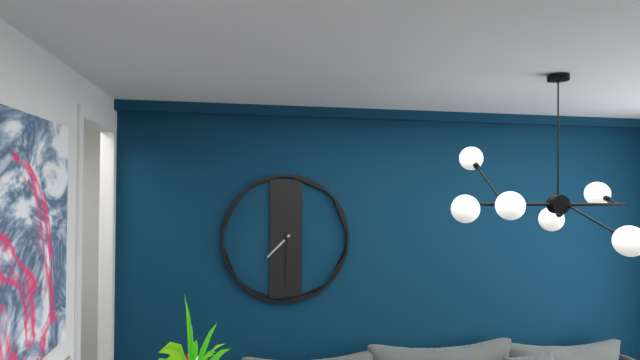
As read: {"hour": 7, "minute": 30}
